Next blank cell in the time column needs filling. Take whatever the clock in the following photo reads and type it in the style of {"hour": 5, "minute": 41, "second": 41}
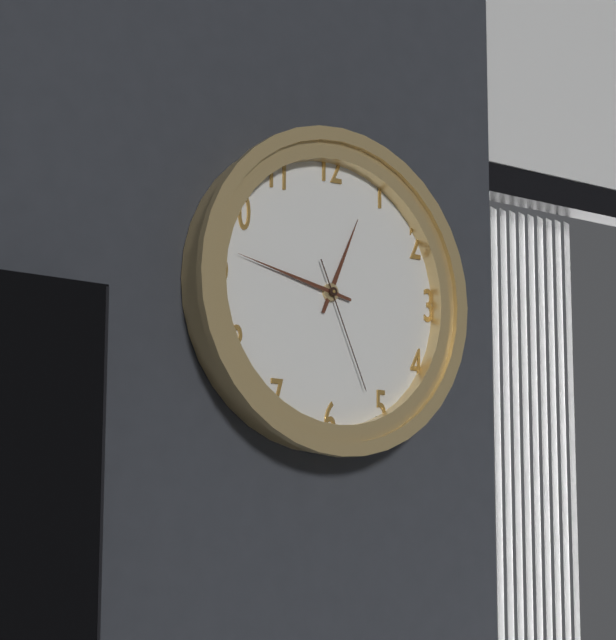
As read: {"hour": 12, "minute": 47, "second": 26}
